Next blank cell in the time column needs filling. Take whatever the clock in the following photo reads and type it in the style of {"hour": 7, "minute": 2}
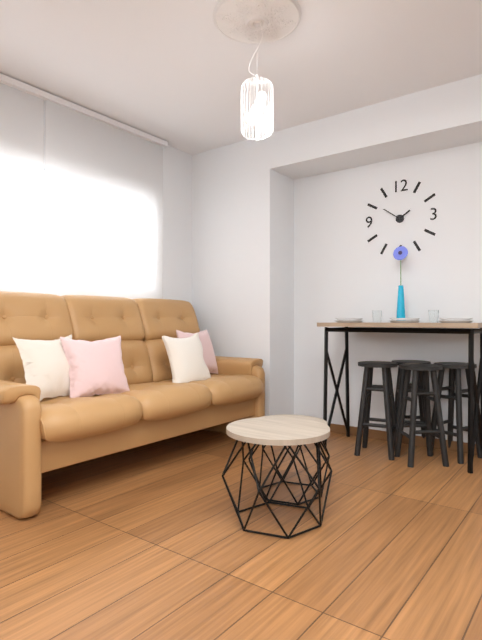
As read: {"hour": 1, "minute": 51}
